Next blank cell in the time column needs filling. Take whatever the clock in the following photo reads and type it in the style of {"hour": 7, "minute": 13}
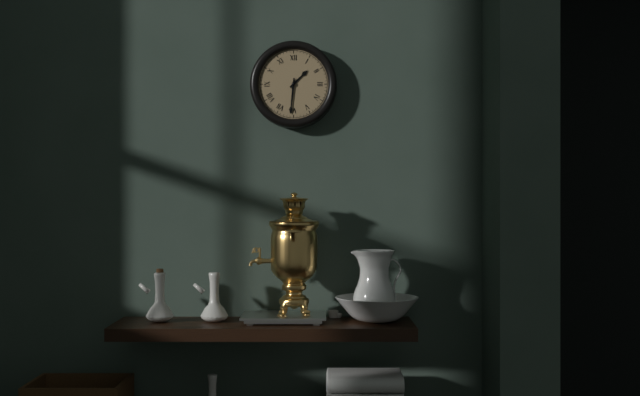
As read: {"hour": 1, "minute": 31}
